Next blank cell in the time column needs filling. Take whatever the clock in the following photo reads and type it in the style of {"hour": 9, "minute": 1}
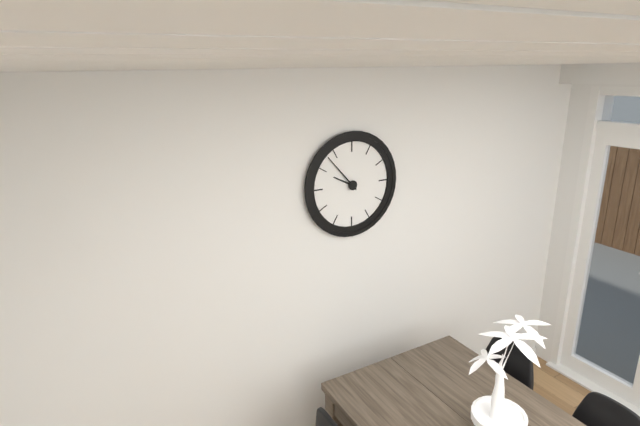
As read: {"hour": 9, "minute": 53}
